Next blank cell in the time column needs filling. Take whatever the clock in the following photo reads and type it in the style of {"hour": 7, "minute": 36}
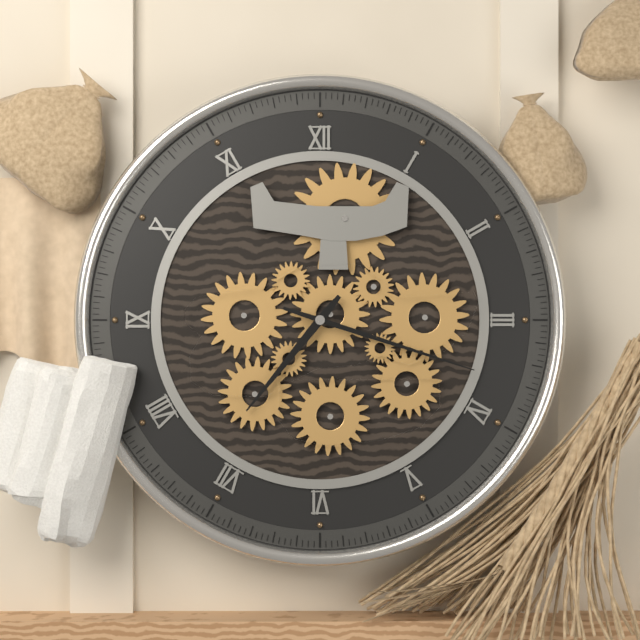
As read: {"hour": 7, "minute": 18}
